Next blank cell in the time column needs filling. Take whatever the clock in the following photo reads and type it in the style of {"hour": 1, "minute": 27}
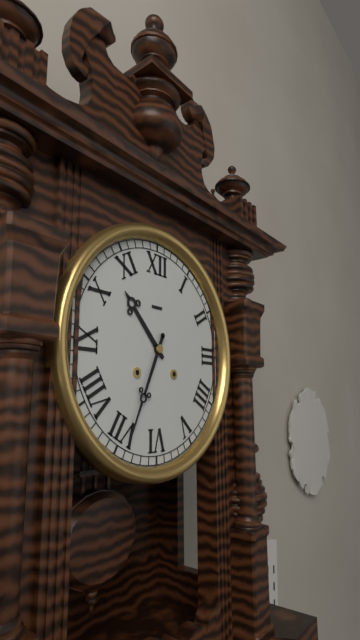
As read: {"hour": 10, "minute": 34}
